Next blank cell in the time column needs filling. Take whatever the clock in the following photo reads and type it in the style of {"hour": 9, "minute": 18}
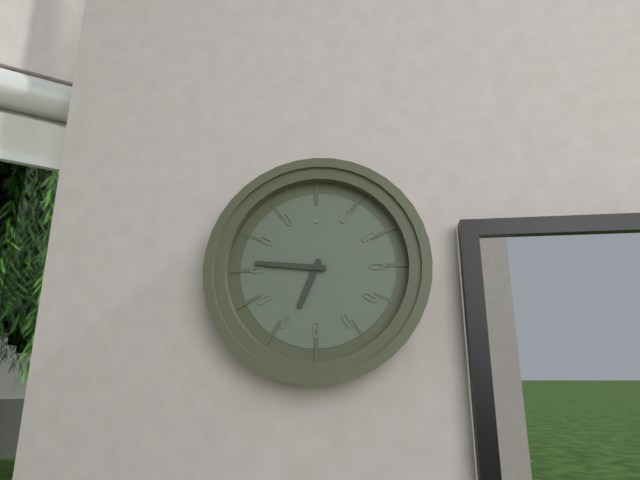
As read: {"hour": 6, "minute": 46}
